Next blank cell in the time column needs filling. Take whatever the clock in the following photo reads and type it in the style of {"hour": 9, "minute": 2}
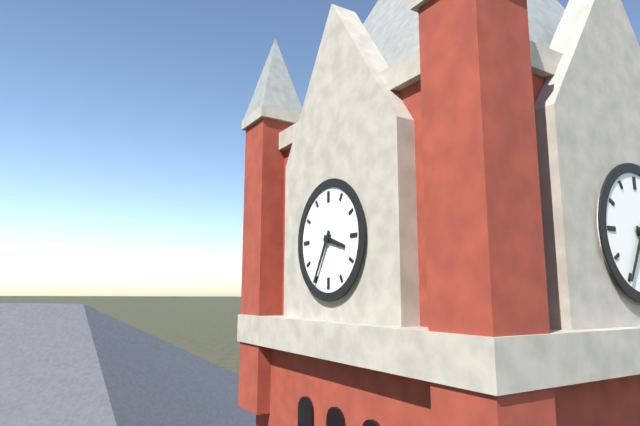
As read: {"hour": 3, "minute": 35}
